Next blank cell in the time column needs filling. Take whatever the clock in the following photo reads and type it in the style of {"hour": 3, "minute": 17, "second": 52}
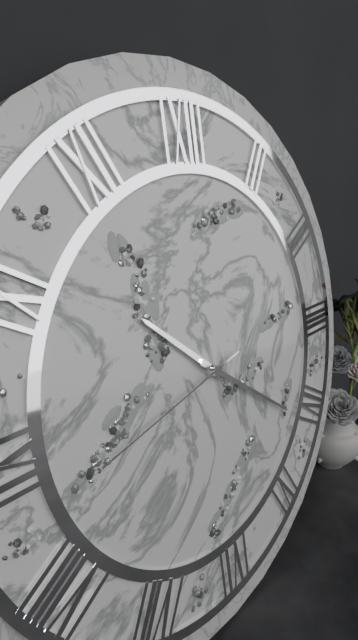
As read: {"hour": 10, "minute": 21, "second": 43}
